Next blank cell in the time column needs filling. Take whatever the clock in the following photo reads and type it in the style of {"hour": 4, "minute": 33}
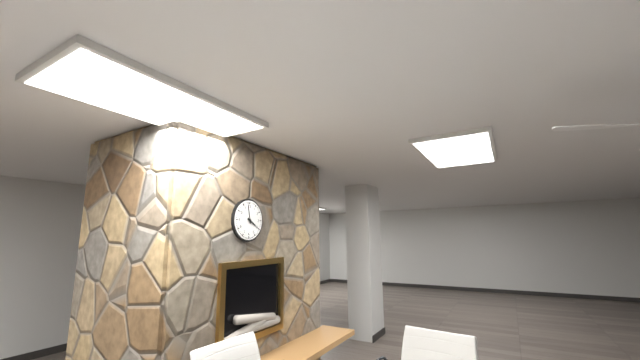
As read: {"hour": 3, "minute": 58}
